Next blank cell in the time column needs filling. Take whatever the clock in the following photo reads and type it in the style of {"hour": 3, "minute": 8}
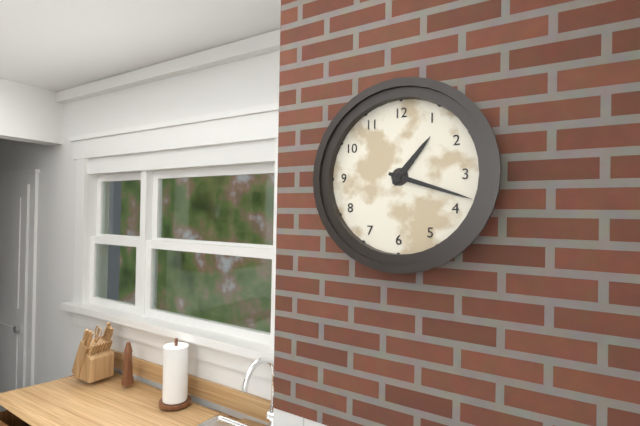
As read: {"hour": 1, "minute": 18}
